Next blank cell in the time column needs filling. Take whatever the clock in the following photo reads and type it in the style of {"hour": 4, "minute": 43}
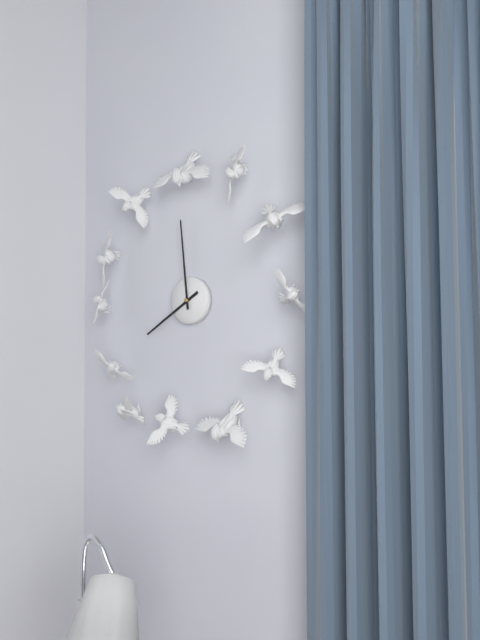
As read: {"hour": 7, "minute": 59}
